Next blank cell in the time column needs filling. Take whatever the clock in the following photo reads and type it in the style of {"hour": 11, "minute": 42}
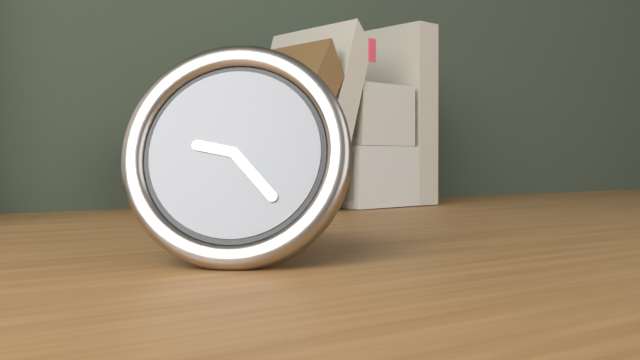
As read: {"hour": 9, "minute": 23}
